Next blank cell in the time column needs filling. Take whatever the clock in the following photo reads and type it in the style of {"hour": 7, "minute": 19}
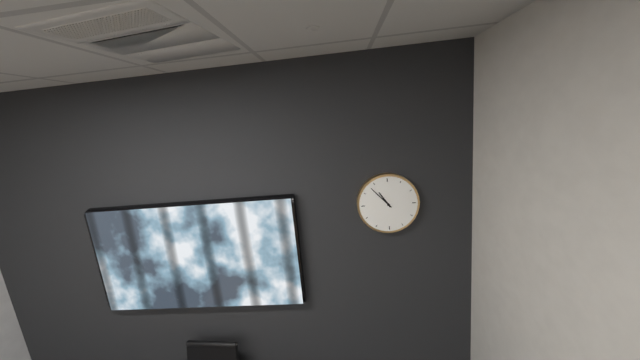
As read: {"hour": 10, "minute": 53}
